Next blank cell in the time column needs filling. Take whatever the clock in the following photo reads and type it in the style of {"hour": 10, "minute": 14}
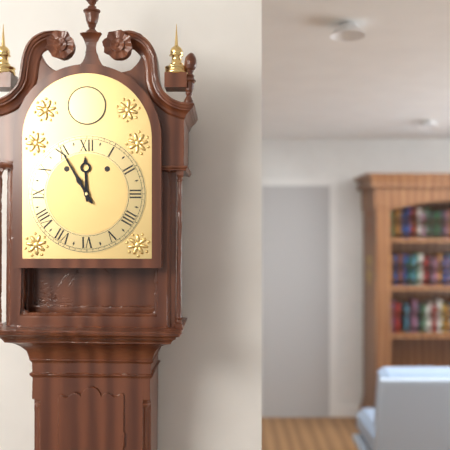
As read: {"hour": 11, "minute": 55}
